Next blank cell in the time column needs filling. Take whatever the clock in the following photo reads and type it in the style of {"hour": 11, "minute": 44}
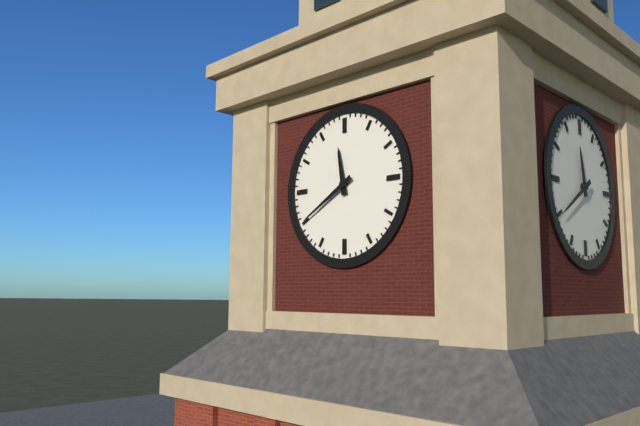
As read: {"hour": 11, "minute": 40}
